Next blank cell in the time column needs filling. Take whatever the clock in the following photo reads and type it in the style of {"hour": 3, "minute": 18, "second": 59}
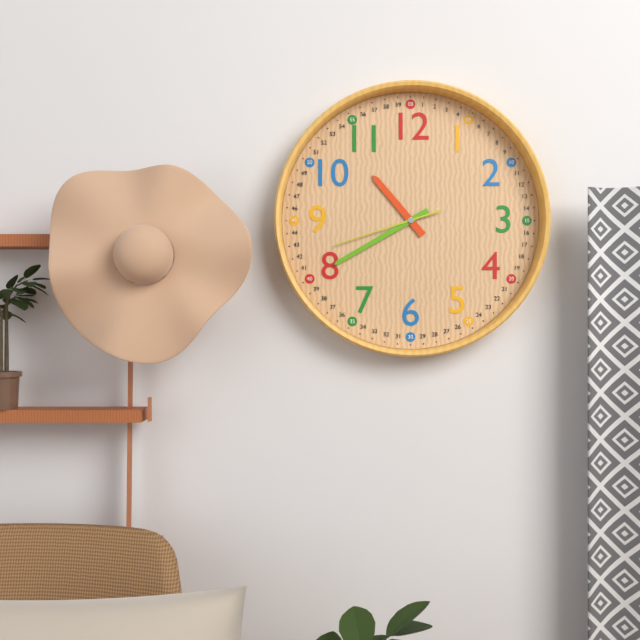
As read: {"hour": 10, "minute": 40, "second": 42}
